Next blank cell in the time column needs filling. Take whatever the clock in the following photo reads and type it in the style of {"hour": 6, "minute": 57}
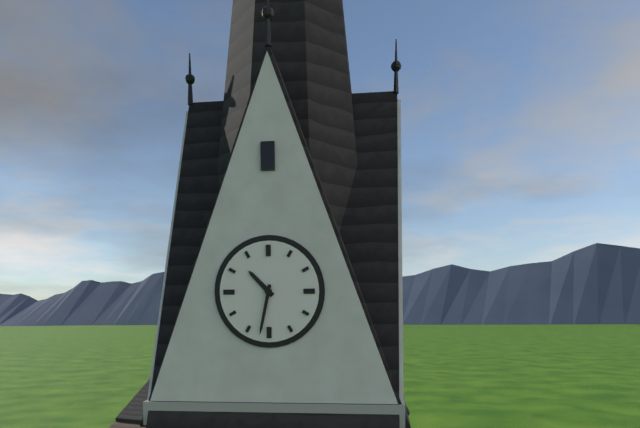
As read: {"hour": 10, "minute": 32}
